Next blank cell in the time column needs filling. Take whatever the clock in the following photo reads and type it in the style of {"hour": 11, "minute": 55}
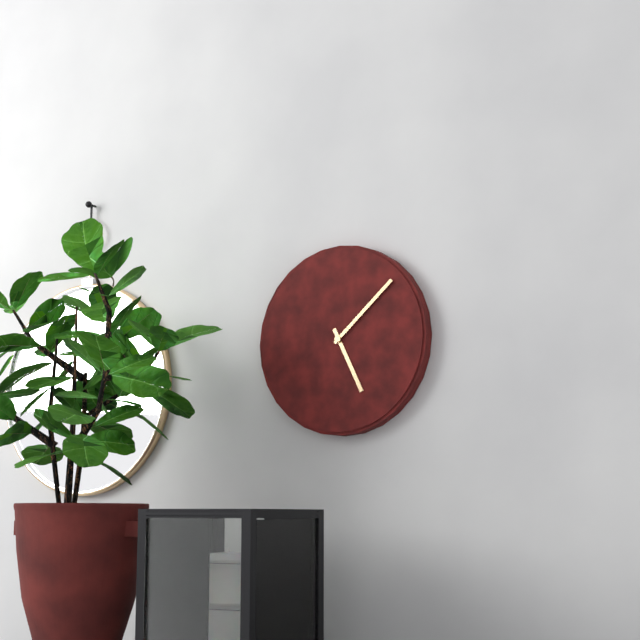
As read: {"hour": 5, "minute": 8}
